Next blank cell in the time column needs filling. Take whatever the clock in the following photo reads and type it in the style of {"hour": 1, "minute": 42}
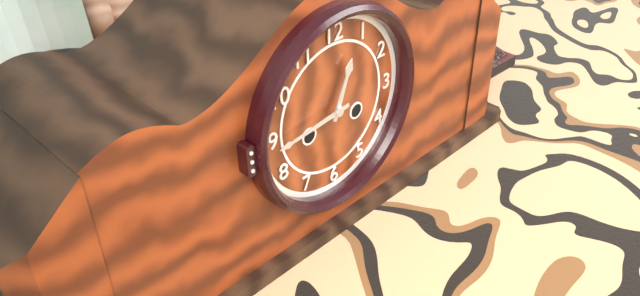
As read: {"hour": 12, "minute": 44}
